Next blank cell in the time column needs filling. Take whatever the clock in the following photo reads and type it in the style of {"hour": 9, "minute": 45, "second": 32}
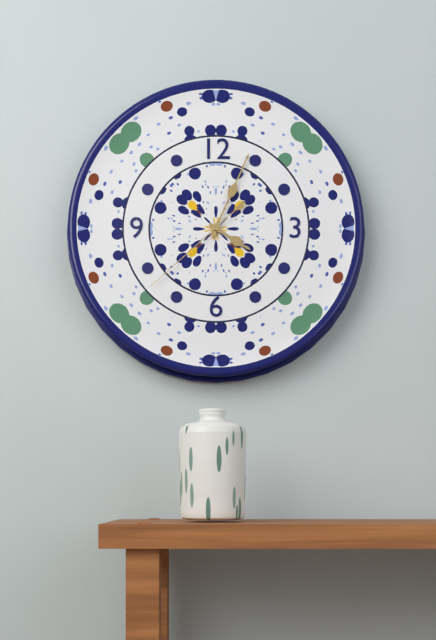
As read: {"hour": 4, "minute": 4, "second": 38}
